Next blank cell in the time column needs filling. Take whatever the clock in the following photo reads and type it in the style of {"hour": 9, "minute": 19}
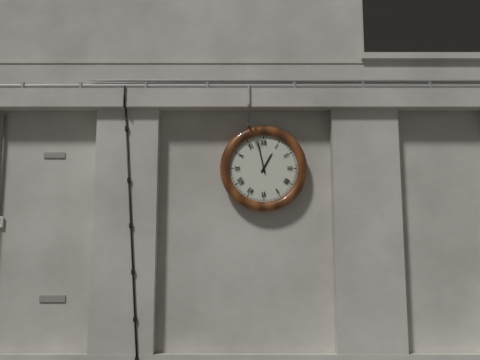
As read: {"hour": 12, "minute": 58}
